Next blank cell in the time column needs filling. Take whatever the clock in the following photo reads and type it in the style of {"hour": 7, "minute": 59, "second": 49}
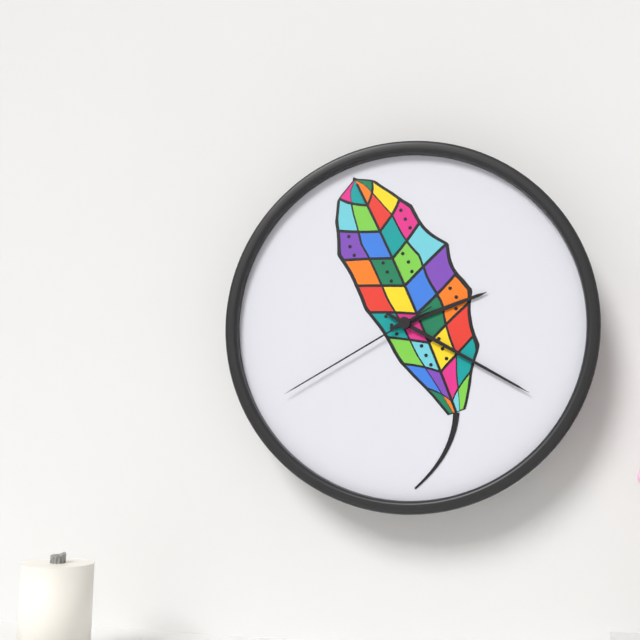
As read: {"hour": 2, "minute": 20, "second": 40}
